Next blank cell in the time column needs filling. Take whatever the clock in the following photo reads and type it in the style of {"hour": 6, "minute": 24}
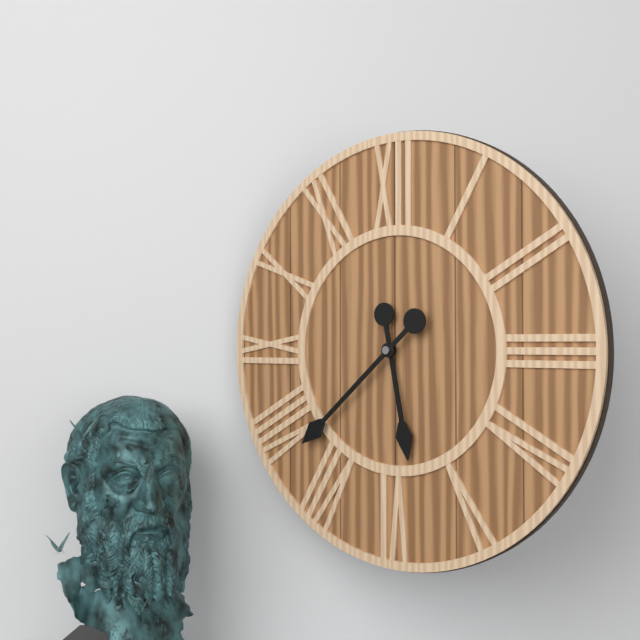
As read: {"hour": 5, "minute": 38}
